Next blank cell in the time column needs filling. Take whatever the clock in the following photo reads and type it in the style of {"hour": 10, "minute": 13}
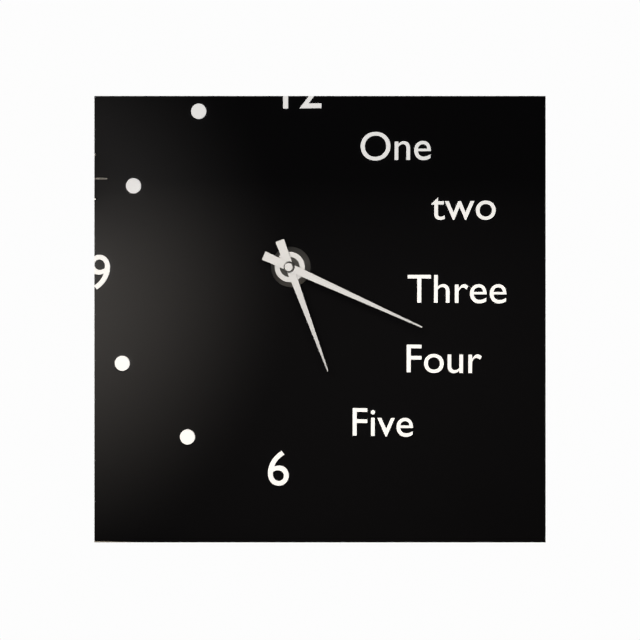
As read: {"hour": 5, "minute": 19}
